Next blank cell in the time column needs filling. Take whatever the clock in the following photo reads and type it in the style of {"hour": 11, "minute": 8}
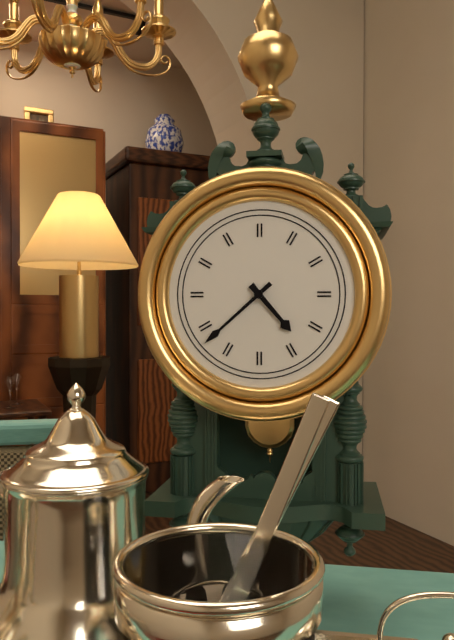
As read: {"hour": 4, "minute": 38}
